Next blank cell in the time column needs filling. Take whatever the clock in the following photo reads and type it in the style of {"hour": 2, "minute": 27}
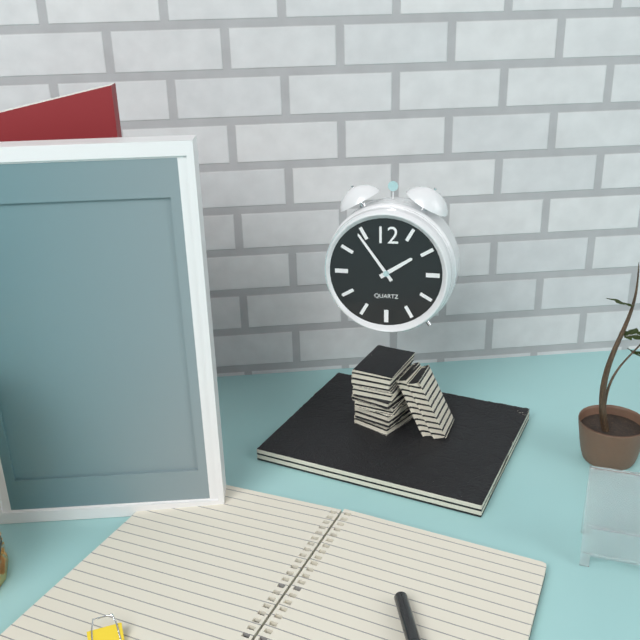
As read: {"hour": 1, "minute": 54}
